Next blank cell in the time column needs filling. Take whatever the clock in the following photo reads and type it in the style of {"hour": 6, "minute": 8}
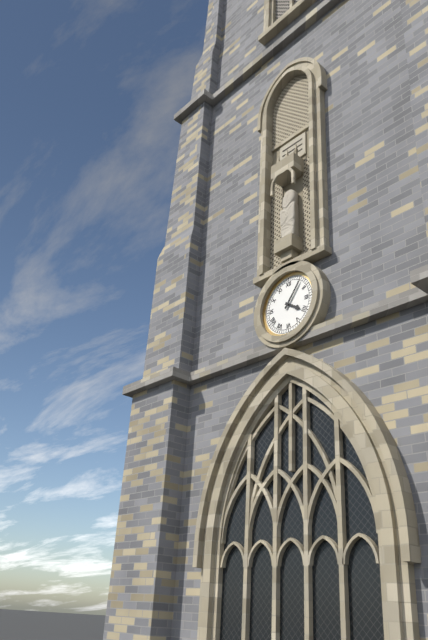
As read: {"hour": 4, "minute": 6}
